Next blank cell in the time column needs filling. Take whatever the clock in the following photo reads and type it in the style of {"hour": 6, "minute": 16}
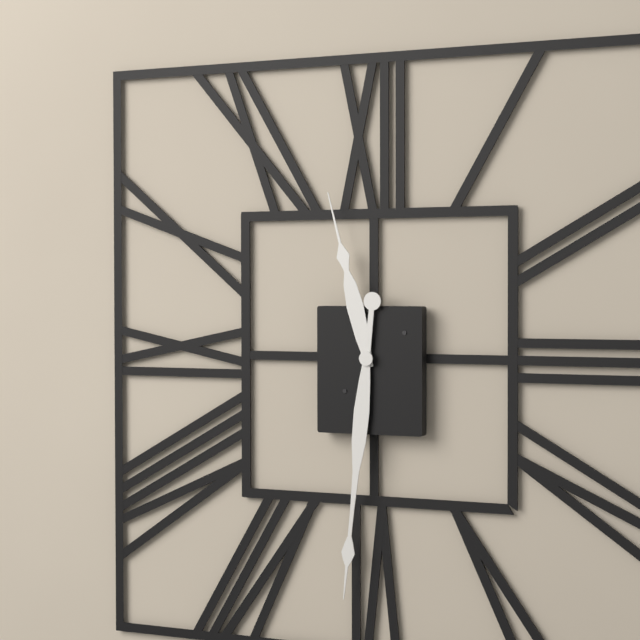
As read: {"hour": 11, "minute": 31}
